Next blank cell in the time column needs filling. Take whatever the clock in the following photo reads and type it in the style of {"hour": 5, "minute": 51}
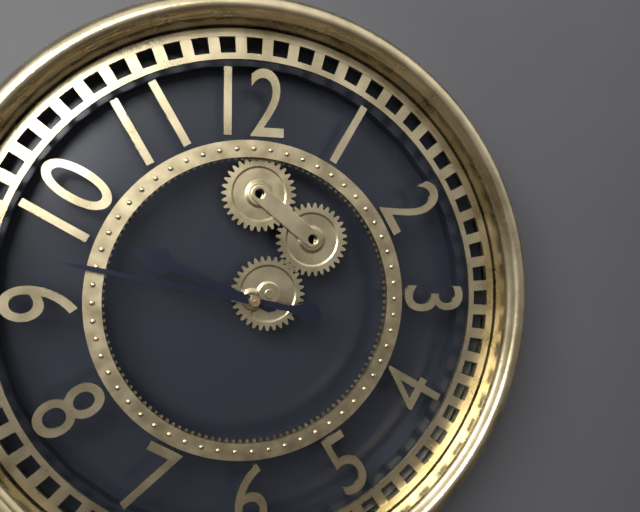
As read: {"hour": 9, "minute": 47}
